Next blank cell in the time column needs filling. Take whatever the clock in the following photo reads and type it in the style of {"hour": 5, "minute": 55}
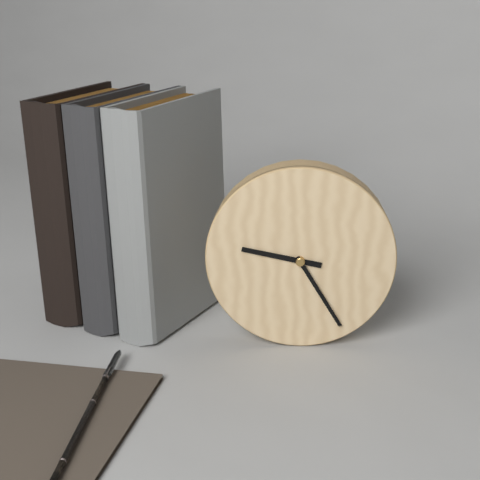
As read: {"hour": 9, "minute": 25}
